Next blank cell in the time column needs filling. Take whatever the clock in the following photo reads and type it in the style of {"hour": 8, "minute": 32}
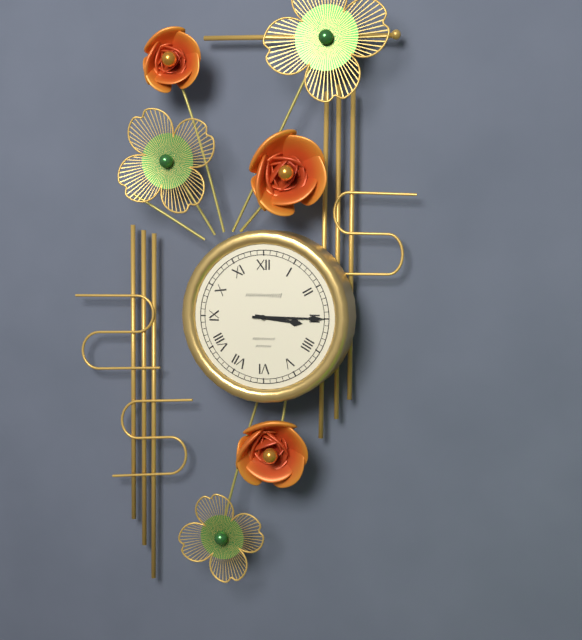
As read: {"hour": 3, "minute": 15}
